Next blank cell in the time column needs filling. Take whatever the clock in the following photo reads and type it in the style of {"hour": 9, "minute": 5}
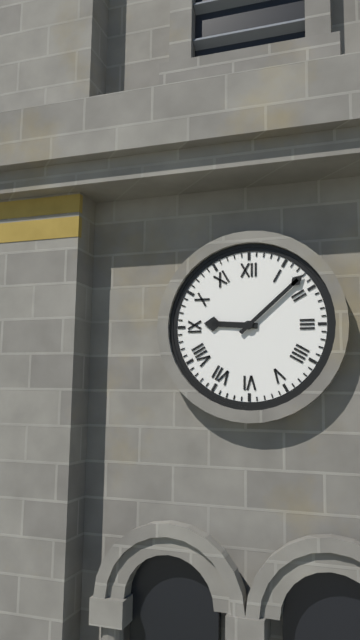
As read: {"hour": 9, "minute": 8}
